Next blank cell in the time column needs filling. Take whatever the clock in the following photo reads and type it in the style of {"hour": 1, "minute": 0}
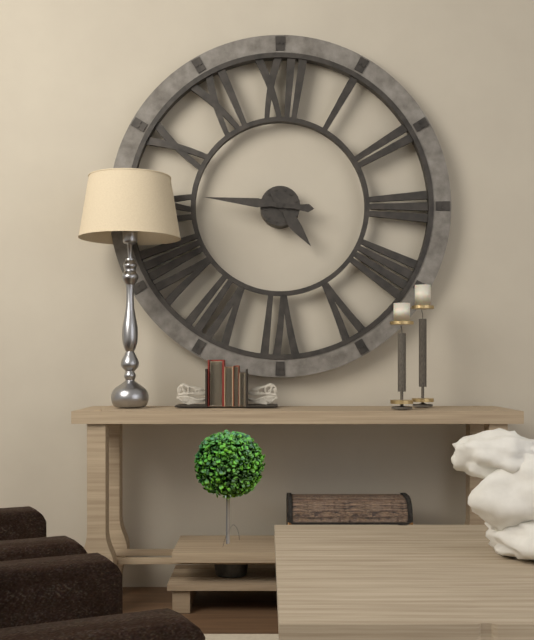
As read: {"hour": 4, "minute": 46}
